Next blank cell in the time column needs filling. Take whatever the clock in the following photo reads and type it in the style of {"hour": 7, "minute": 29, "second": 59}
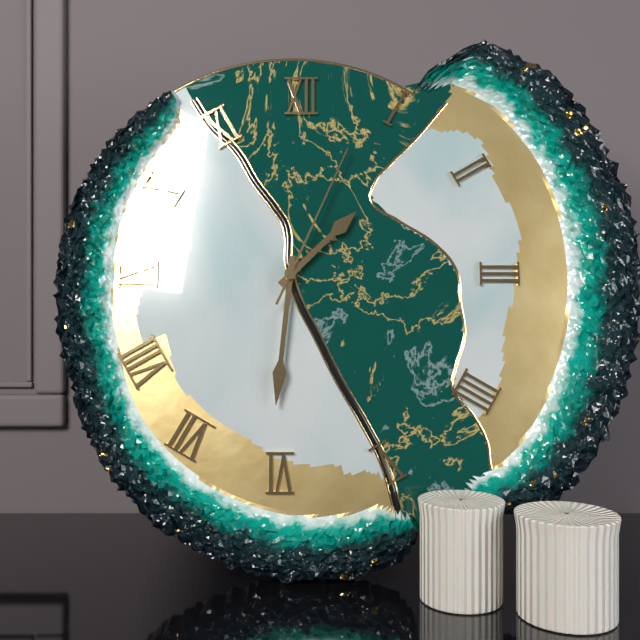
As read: {"hour": 1, "minute": 31, "second": 4}
